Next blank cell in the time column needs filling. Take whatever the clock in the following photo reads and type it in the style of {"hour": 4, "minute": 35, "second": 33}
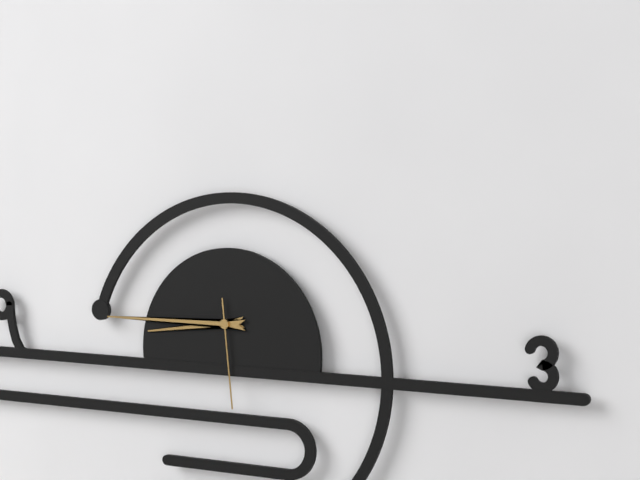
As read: {"hour": 8, "minute": 45, "second": 29}
